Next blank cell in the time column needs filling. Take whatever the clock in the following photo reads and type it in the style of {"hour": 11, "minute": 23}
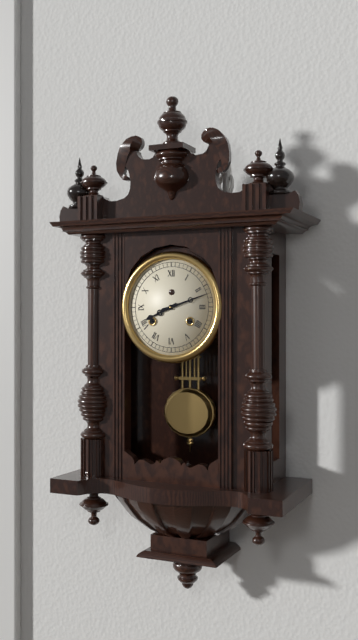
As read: {"hour": 8, "minute": 12}
